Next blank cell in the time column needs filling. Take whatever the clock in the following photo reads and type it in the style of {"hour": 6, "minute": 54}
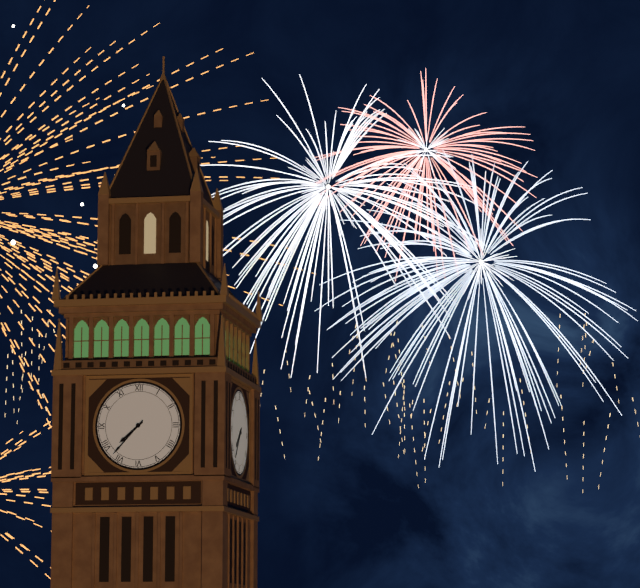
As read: {"hour": 7, "minute": 37}
